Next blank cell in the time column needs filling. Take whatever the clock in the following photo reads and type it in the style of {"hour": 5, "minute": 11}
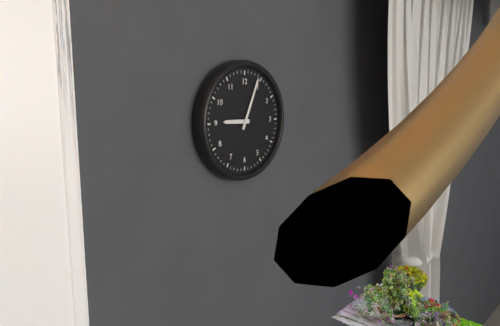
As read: {"hour": 9, "minute": 4}
